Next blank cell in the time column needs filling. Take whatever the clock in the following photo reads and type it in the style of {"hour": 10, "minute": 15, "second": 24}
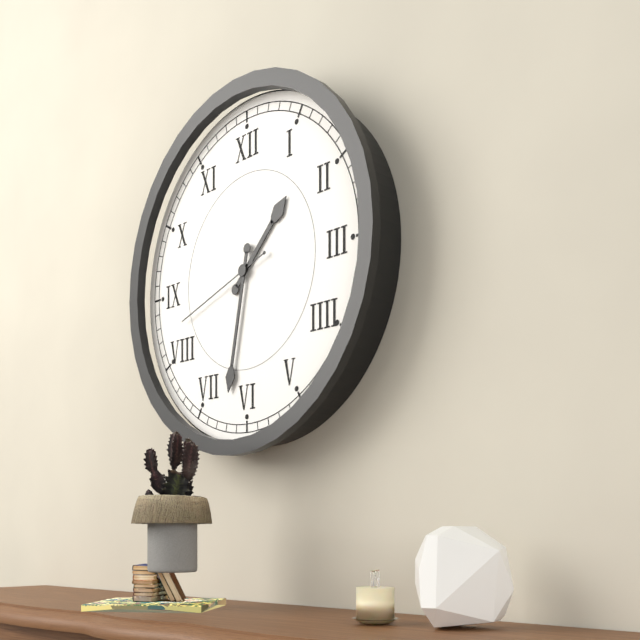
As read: {"hour": 1, "minute": 32, "second": 42}
